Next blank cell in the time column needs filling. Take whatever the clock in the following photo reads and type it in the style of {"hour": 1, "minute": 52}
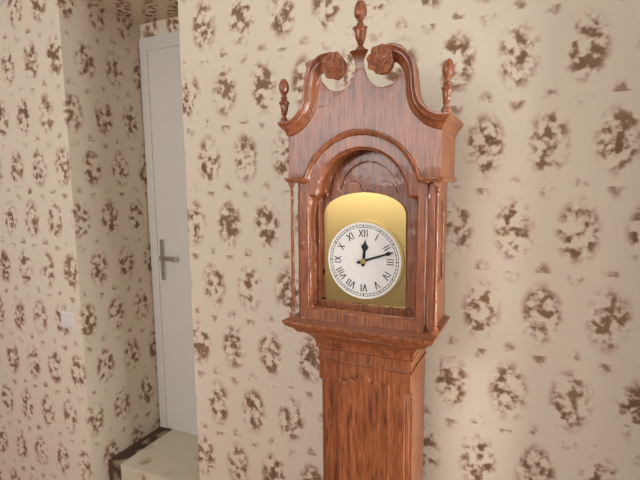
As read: {"hour": 12, "minute": 12}
